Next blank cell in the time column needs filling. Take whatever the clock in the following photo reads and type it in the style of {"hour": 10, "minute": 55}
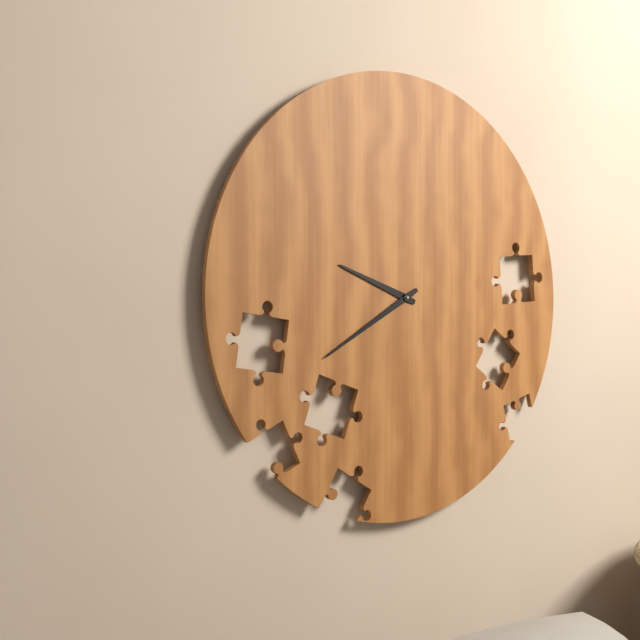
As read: {"hour": 9, "minute": 40}
